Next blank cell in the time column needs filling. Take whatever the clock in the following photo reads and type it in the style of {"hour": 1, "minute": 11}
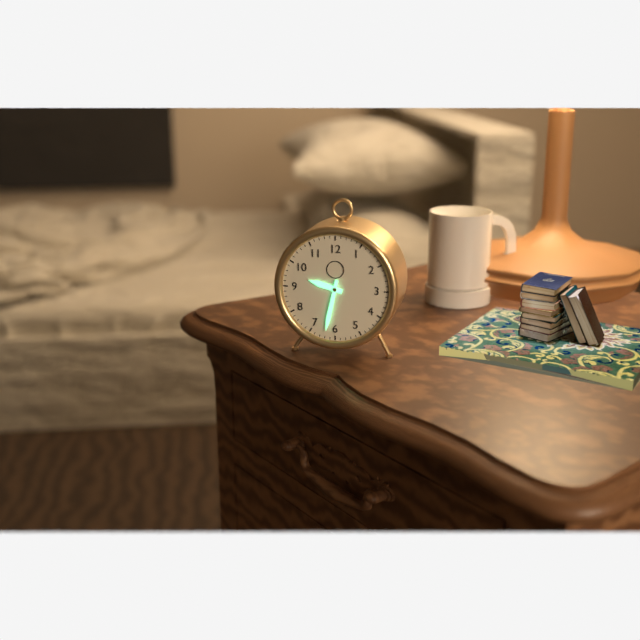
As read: {"hour": 9, "minute": 32}
